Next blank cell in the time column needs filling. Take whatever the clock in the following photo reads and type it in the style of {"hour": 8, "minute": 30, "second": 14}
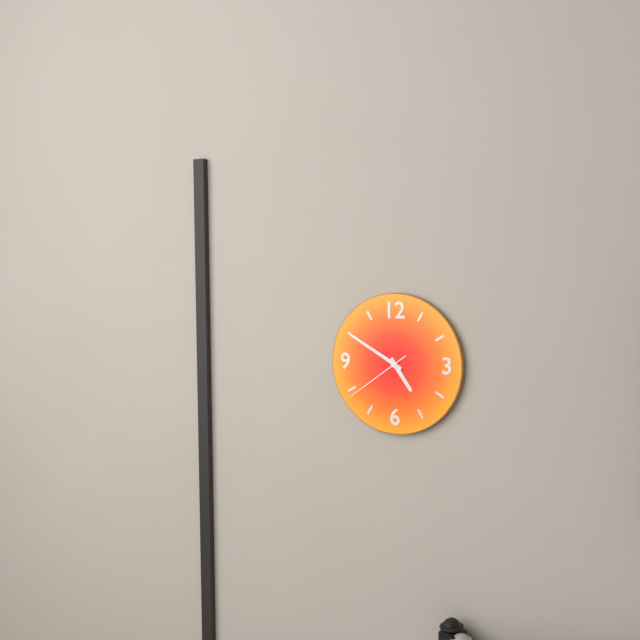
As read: {"hour": 4, "minute": 50, "second": 39}
